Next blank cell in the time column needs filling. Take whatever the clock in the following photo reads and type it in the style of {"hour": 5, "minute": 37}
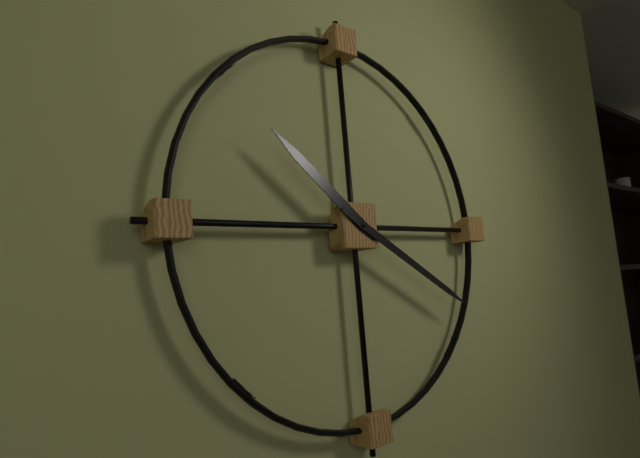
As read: {"hour": 10, "minute": 20}
